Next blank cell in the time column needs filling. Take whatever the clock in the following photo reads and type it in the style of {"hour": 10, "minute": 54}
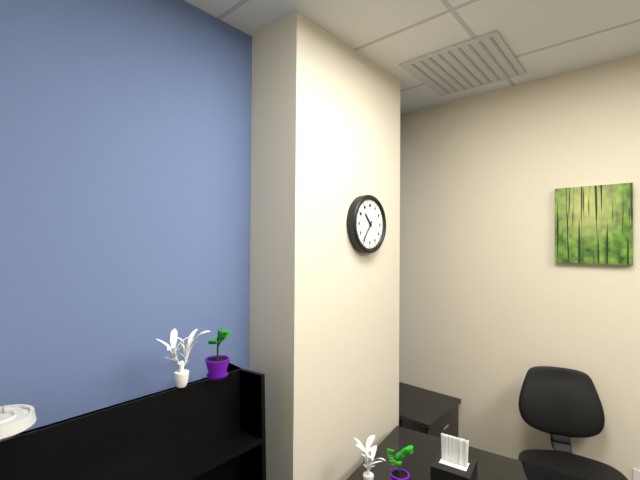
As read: {"hour": 10, "minute": 36}
